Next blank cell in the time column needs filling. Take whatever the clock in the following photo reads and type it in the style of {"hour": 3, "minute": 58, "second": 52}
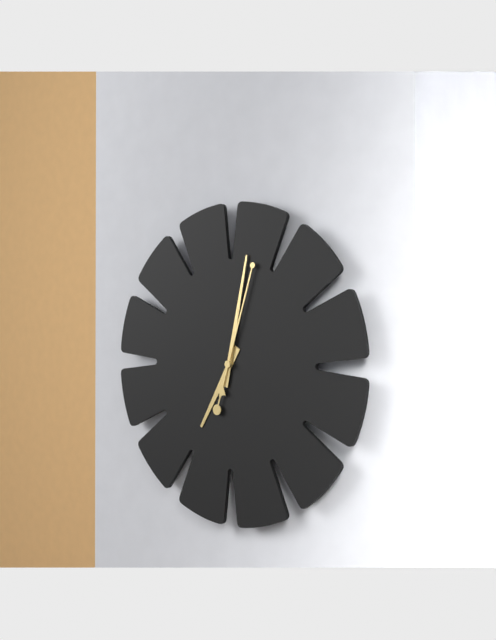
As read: {"hour": 7, "minute": 2, "second": 3}
